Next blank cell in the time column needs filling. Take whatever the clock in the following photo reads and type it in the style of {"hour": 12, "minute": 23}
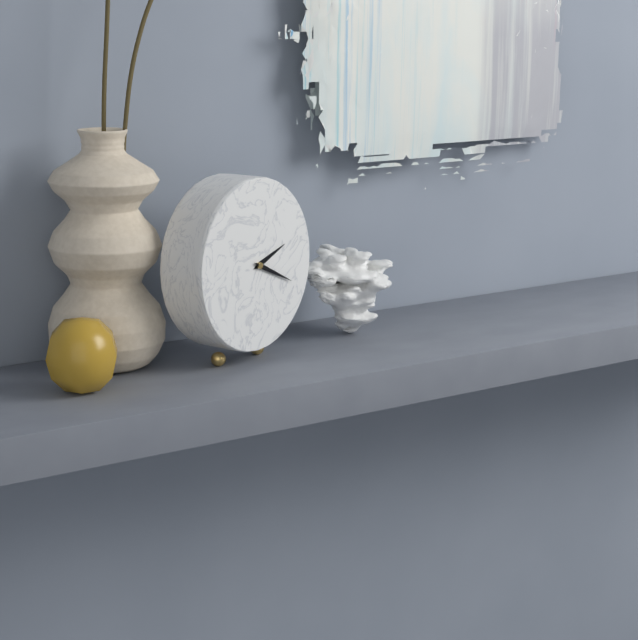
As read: {"hour": 2, "minute": 19}
